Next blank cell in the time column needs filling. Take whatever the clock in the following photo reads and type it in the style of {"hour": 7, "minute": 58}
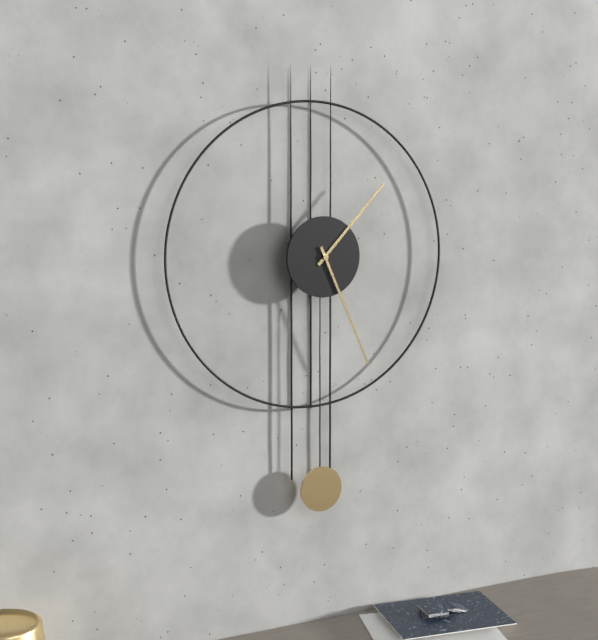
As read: {"hour": 1, "minute": 26}
